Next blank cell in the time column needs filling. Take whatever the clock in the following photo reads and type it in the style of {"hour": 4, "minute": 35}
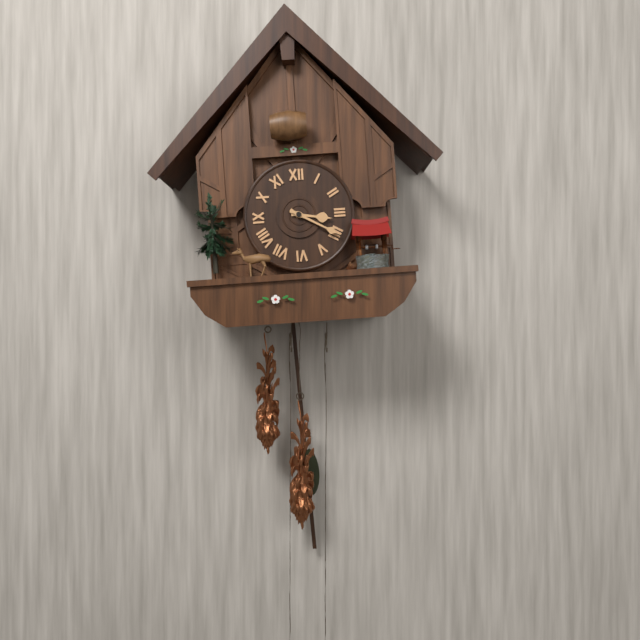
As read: {"hour": 3, "minute": 20}
